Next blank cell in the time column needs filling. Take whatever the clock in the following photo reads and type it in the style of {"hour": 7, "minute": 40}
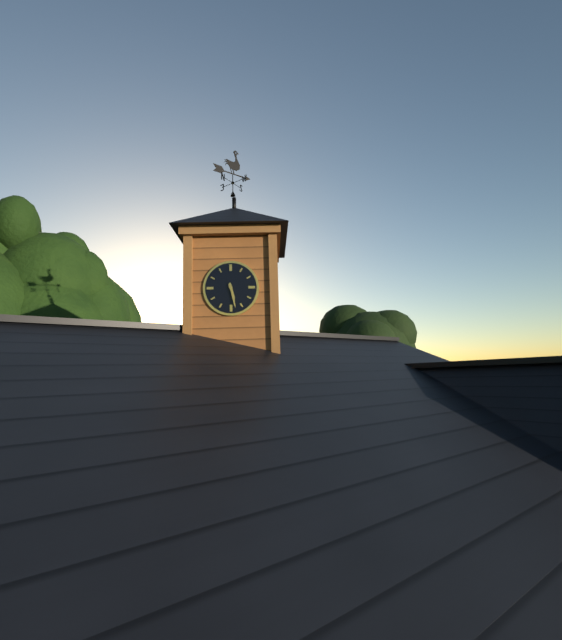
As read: {"hour": 5, "minute": 28}
